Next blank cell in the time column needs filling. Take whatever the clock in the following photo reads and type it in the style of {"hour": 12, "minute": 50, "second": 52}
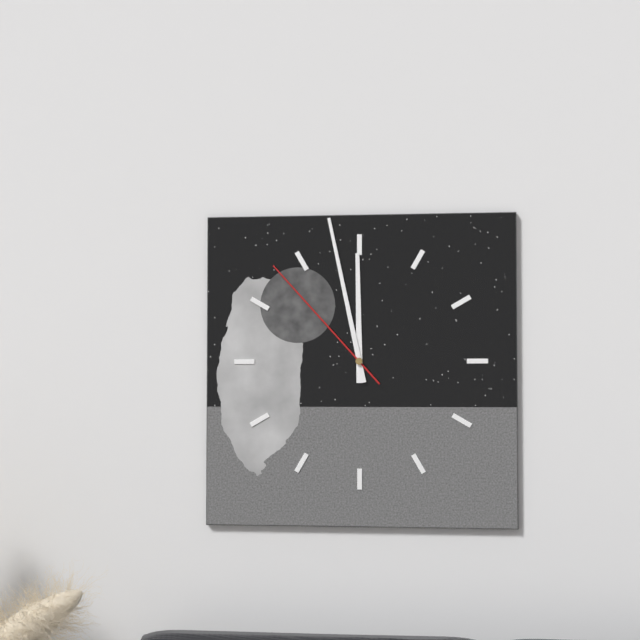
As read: {"hour": 11, "minute": 58, "second": 53}
